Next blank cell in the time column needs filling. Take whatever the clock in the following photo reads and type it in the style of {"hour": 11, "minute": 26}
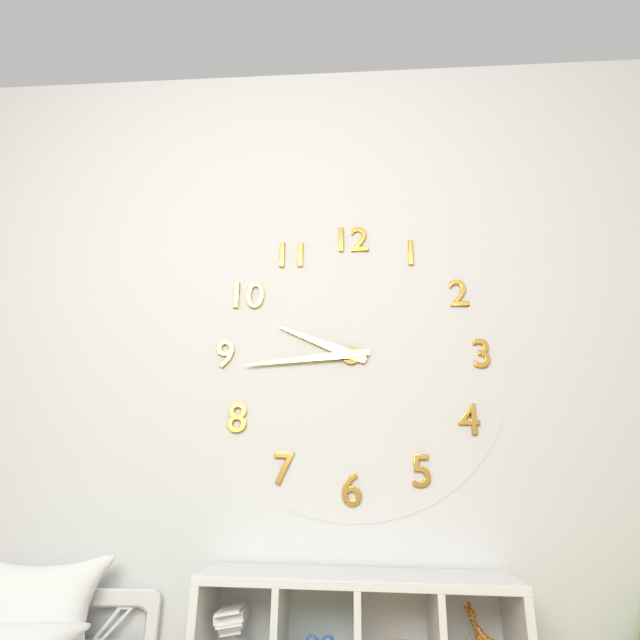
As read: {"hour": 9, "minute": 44}
